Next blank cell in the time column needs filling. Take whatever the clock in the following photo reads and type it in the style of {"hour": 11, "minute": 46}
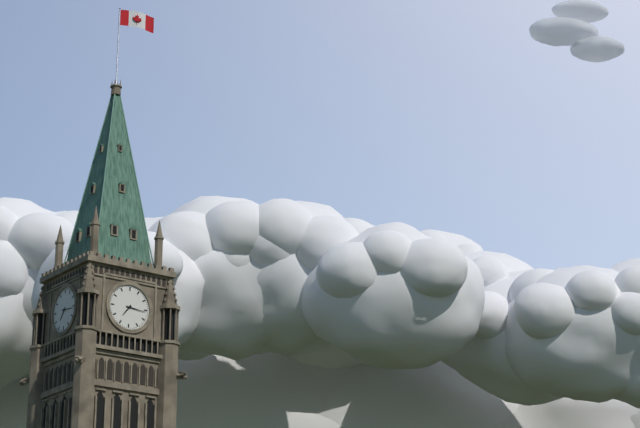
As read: {"hour": 7, "minute": 16}
